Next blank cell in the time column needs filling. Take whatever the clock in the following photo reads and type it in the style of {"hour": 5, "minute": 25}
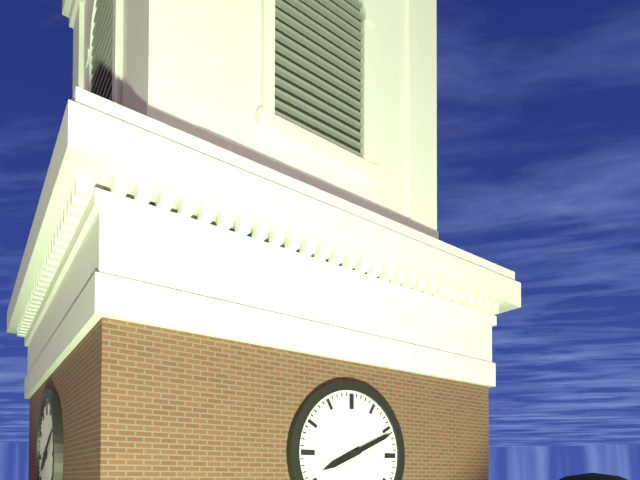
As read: {"hour": 8, "minute": 11}
